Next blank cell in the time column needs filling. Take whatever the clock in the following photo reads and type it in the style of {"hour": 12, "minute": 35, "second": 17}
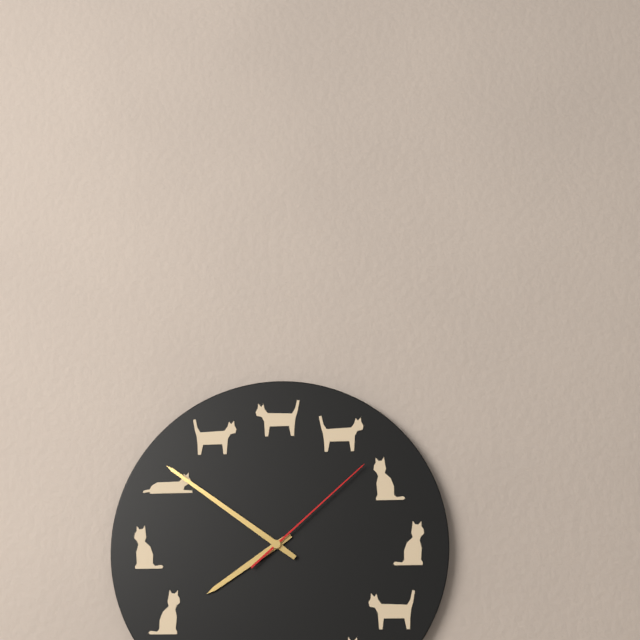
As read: {"hour": 7, "minute": 51, "second": 8}
